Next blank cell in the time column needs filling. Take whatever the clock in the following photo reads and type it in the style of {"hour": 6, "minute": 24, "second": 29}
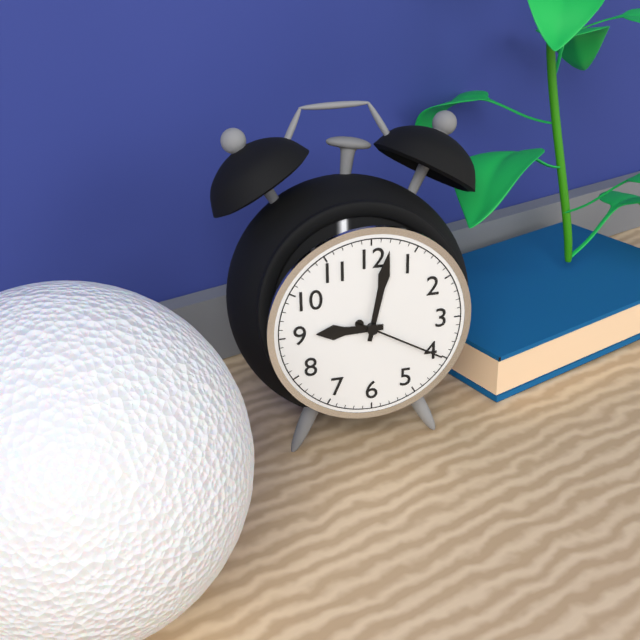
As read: {"hour": 9, "minute": 2, "second": 20}
